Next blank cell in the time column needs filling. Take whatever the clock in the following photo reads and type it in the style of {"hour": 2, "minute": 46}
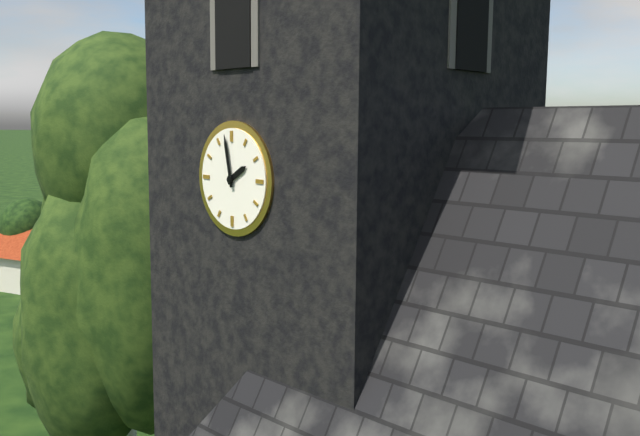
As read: {"hour": 1, "minute": 58}
